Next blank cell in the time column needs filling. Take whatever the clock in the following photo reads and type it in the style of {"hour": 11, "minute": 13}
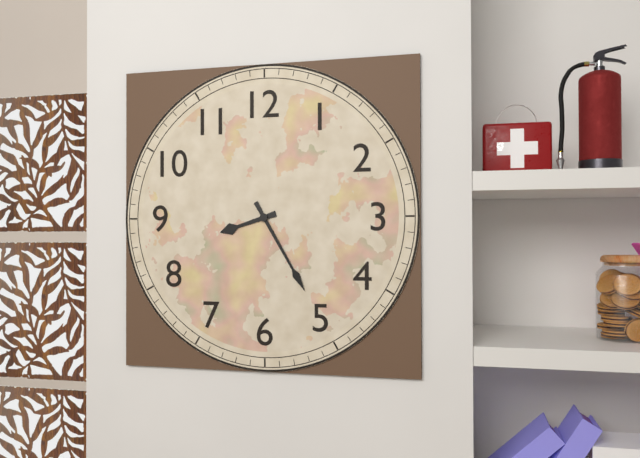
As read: {"hour": 8, "minute": 25}
